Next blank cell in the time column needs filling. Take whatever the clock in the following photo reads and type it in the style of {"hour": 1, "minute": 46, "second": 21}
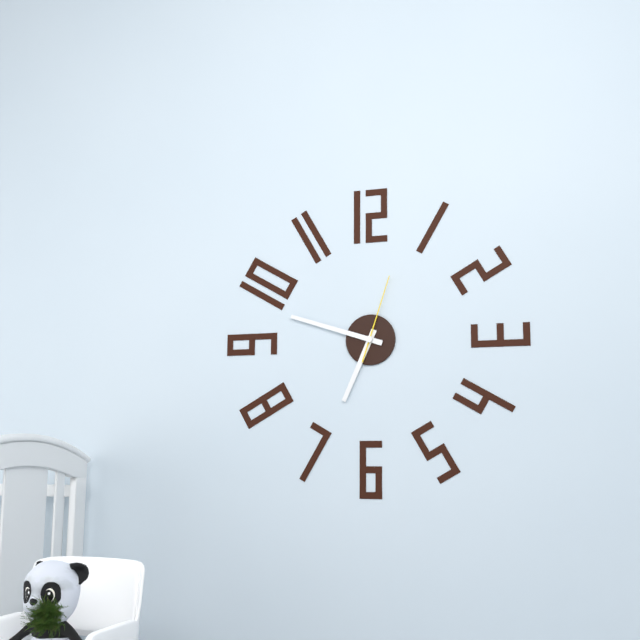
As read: {"hour": 6, "minute": 48, "second": 3}
